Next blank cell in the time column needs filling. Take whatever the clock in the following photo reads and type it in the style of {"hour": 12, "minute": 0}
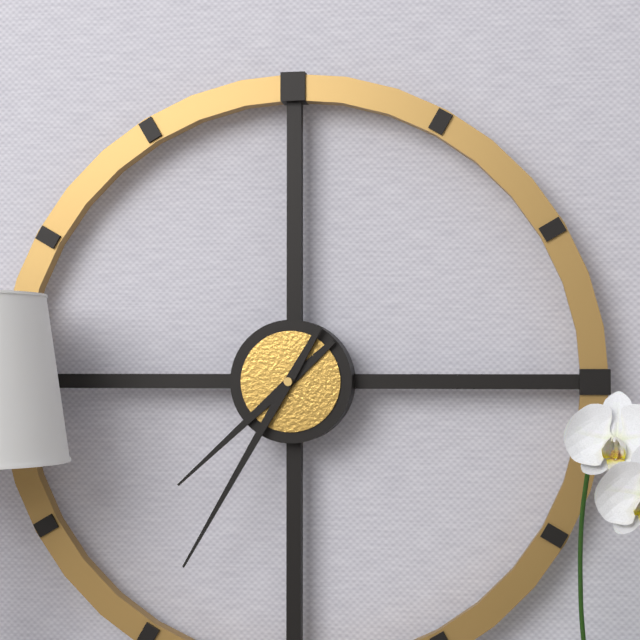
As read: {"hour": 7, "minute": 35}
